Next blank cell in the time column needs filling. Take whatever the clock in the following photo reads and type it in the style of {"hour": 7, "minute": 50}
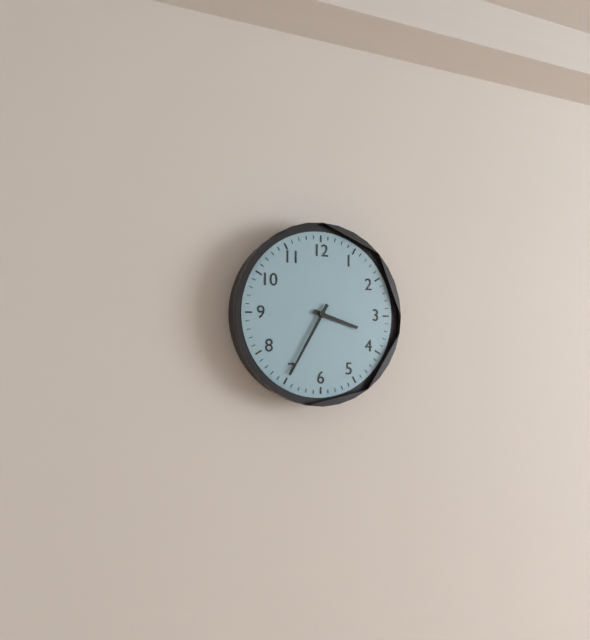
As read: {"hour": 3, "minute": 35}
